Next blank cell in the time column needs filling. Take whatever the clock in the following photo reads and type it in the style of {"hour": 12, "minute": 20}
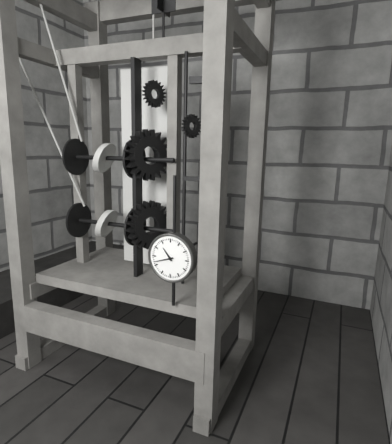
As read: {"hour": 10, "minute": 42}
